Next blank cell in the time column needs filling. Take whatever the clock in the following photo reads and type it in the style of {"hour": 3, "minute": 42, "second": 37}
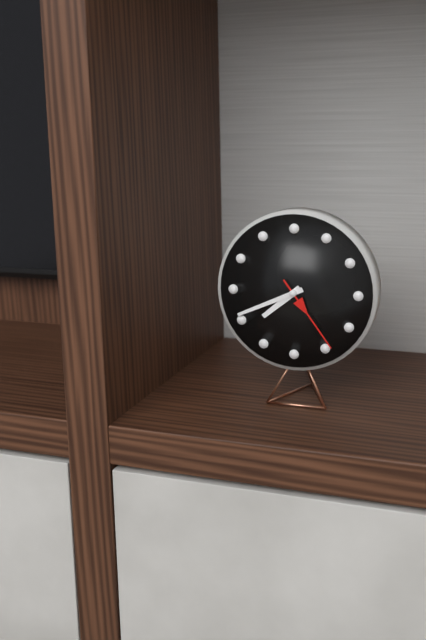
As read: {"hour": 7, "minute": 41, "second": 24}
